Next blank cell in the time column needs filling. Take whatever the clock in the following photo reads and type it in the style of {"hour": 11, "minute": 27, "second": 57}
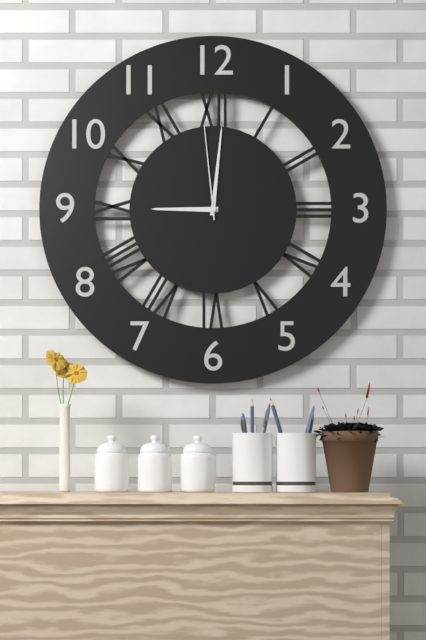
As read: {"hour": 9, "minute": 1, "second": 59}
